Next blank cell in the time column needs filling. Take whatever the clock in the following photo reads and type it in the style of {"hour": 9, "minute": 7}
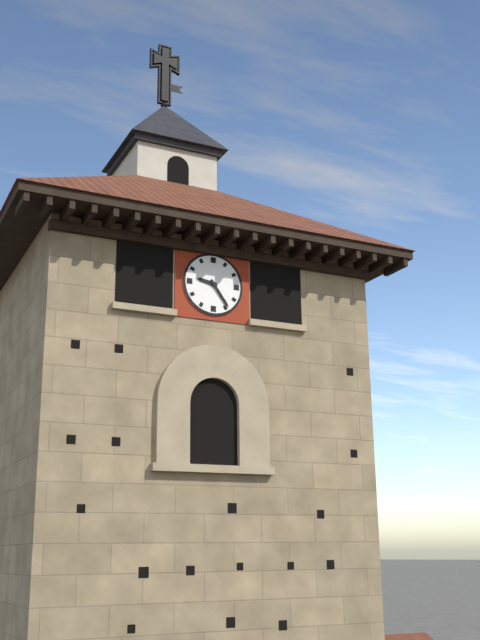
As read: {"hour": 9, "minute": 24}
